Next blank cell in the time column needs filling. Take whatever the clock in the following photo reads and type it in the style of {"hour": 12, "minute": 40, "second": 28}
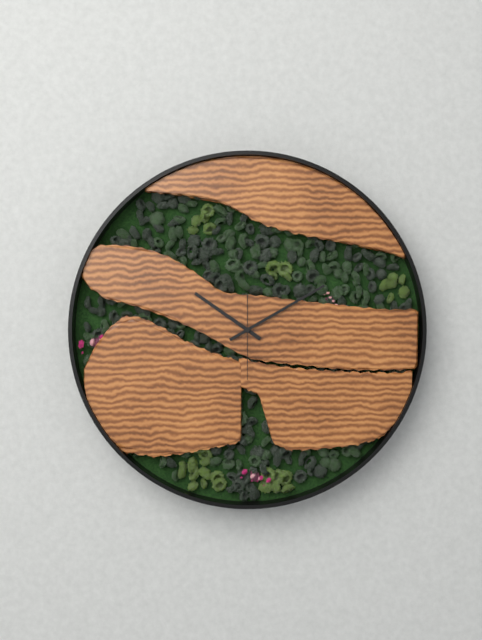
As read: {"hour": 10, "minute": 10, "second": 30}
